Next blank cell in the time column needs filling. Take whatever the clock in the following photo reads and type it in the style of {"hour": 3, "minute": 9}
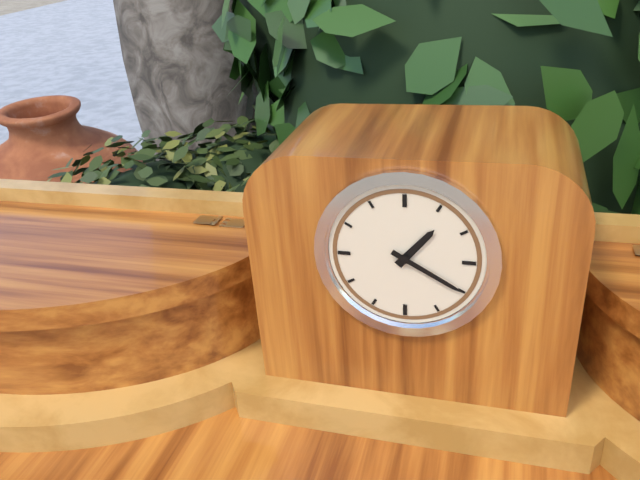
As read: {"hour": 1, "minute": 20}
